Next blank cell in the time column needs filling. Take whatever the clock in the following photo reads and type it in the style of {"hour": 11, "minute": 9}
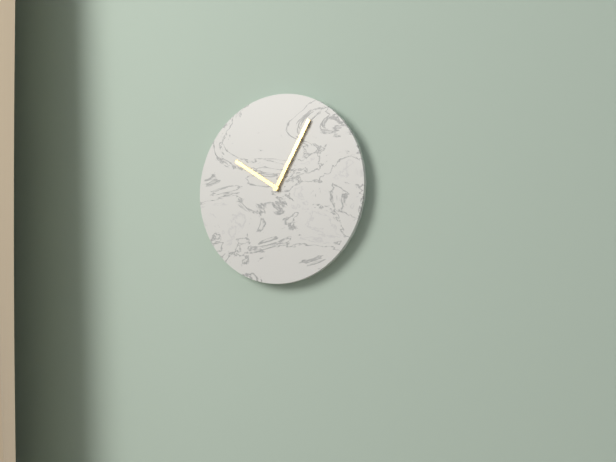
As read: {"hour": 10, "minute": 5}
